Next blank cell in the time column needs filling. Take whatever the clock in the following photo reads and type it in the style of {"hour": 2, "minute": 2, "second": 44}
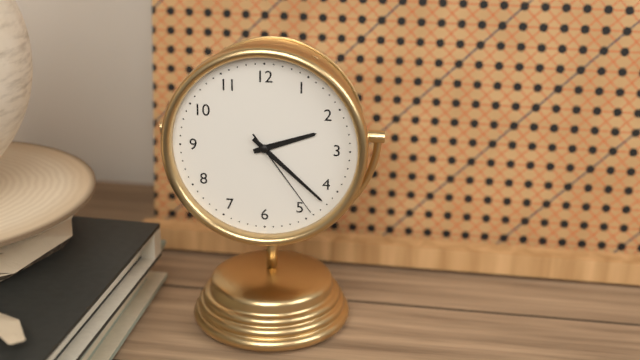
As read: {"hour": 2, "minute": 22, "second": 24}
